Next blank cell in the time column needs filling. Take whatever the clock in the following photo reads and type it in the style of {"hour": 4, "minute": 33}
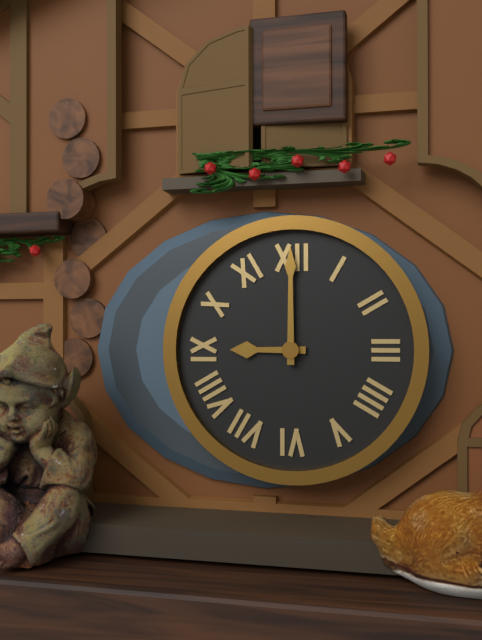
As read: {"hour": 9, "minute": 0}
